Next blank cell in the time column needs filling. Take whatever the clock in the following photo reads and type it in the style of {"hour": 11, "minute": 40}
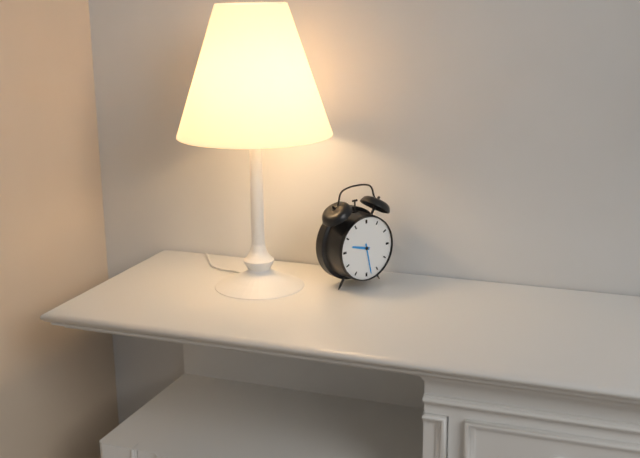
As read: {"hour": 9, "minute": 28}
